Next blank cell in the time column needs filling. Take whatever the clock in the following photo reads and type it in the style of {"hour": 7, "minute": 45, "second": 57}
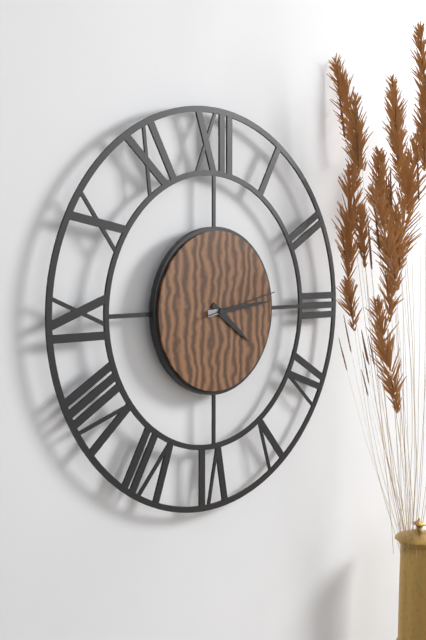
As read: {"hour": 4, "minute": 14, "second": 13}
